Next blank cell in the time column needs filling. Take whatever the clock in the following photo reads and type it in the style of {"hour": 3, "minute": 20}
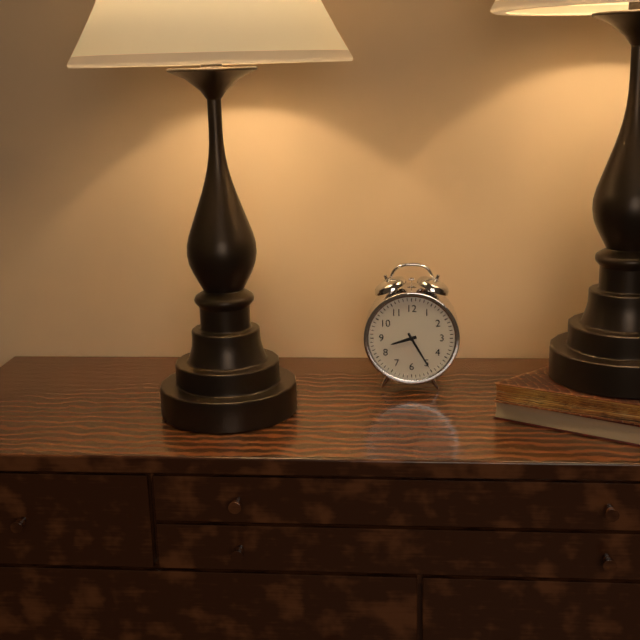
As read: {"hour": 8, "minute": 25}
